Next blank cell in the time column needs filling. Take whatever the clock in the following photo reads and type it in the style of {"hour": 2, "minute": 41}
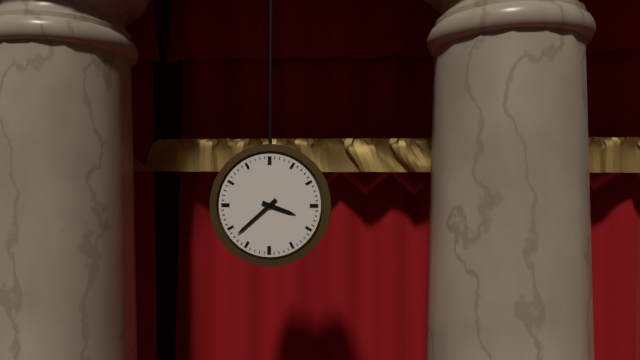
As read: {"hour": 3, "minute": 38}
